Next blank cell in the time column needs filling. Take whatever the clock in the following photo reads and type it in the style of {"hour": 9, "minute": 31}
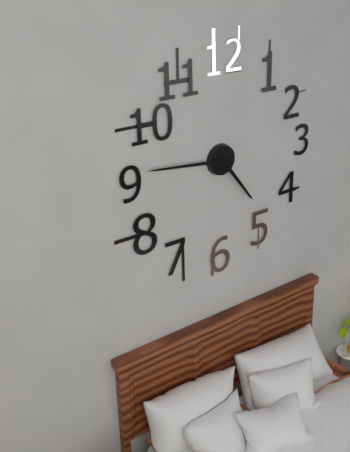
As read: {"hour": 4, "minute": 46}
